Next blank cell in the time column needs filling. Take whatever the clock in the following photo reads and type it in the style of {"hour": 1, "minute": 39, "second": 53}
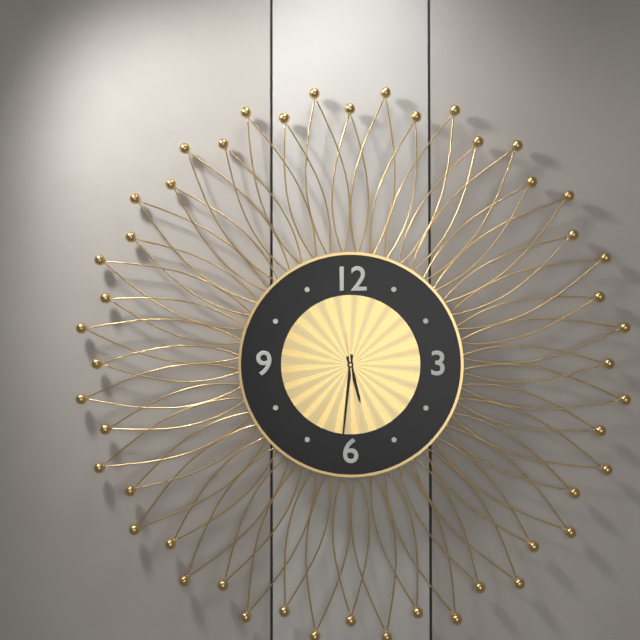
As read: {"hour": 5, "minute": 31, "second": 29}
